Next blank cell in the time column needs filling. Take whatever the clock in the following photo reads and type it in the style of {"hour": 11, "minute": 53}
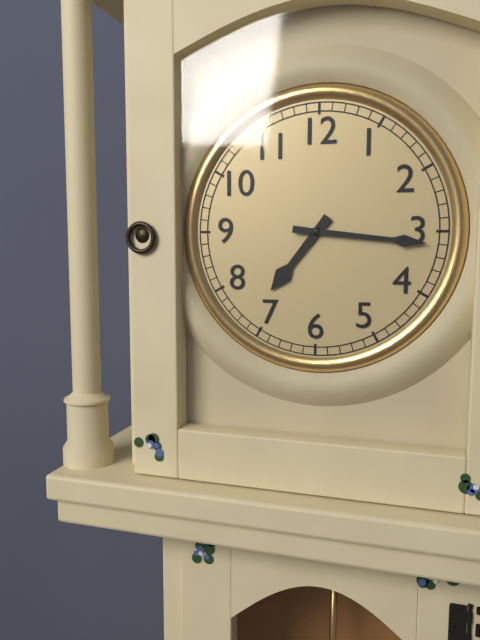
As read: {"hour": 7, "minute": 16}
